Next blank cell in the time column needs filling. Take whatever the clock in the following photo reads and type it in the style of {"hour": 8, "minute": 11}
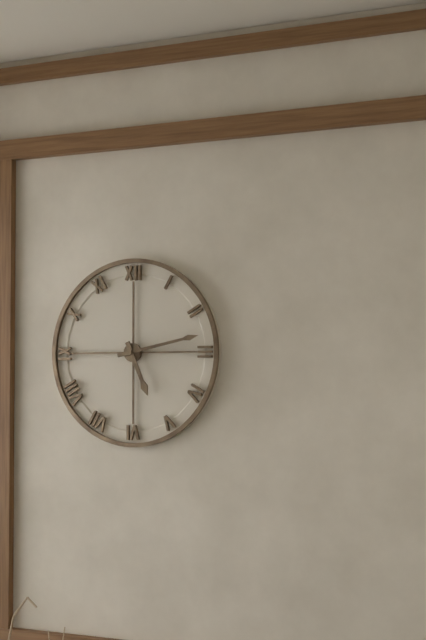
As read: {"hour": 5, "minute": 13}
